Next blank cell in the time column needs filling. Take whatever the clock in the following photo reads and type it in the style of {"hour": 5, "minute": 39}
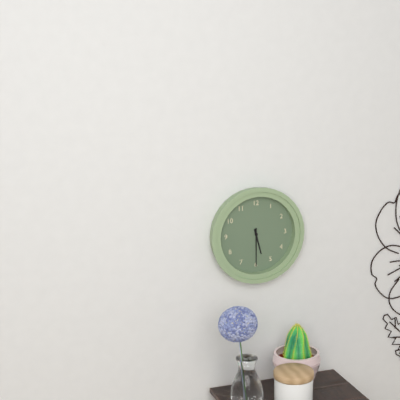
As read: {"hour": 5, "minute": 30}
